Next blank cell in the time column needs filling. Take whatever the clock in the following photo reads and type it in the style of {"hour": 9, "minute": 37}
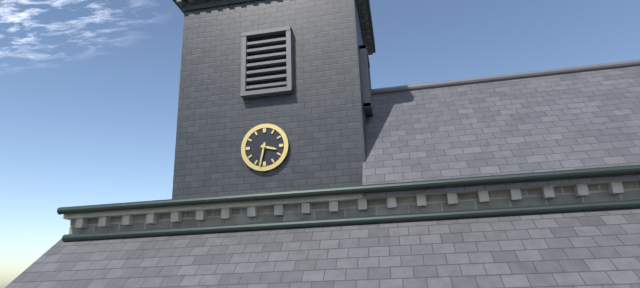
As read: {"hour": 3, "minute": 32}
